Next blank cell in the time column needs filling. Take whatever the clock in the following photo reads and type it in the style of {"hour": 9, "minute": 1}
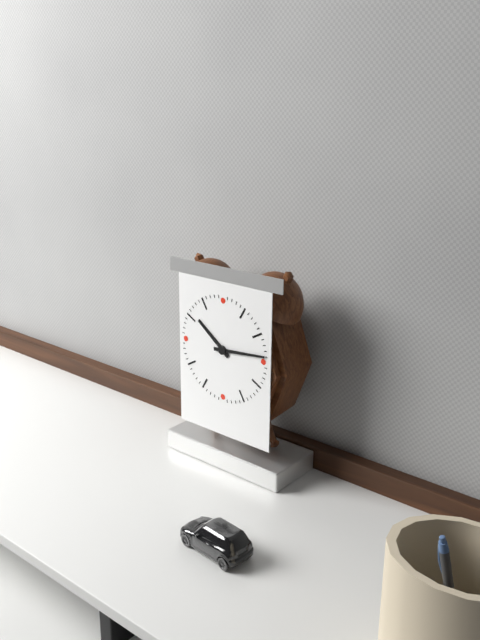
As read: {"hour": 10, "minute": 14}
